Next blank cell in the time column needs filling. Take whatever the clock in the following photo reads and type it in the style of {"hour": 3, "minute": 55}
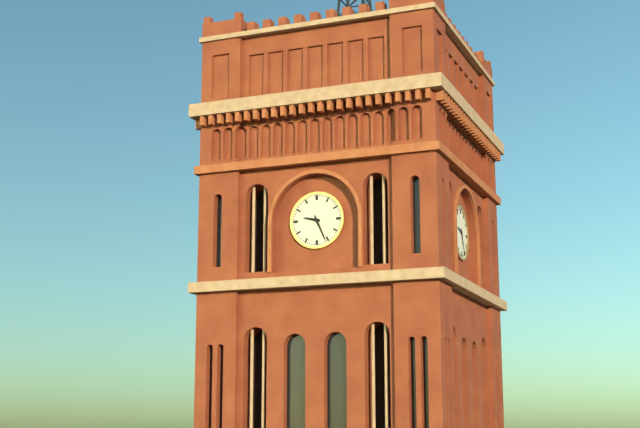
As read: {"hour": 9, "minute": 26}
